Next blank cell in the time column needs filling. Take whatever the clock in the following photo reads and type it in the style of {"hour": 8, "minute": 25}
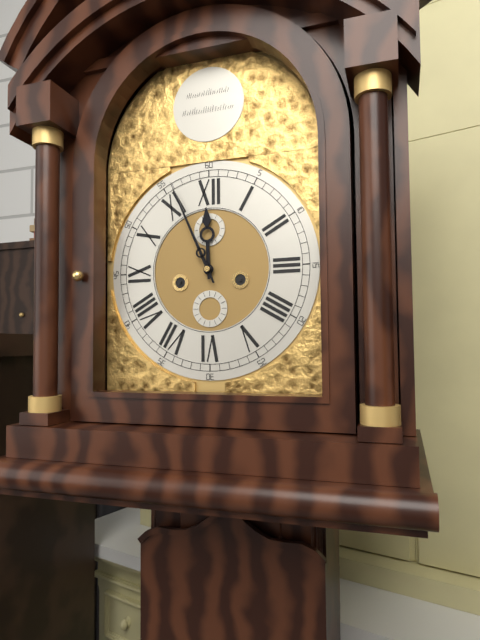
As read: {"hour": 11, "minute": 56}
